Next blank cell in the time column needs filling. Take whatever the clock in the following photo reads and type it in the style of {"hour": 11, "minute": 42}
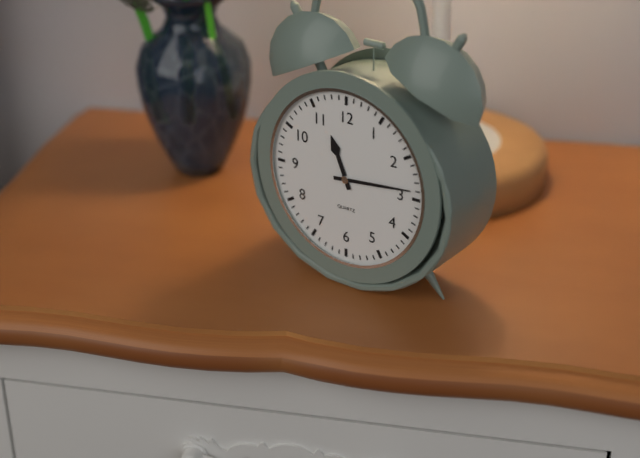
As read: {"hour": 11, "minute": 14}
